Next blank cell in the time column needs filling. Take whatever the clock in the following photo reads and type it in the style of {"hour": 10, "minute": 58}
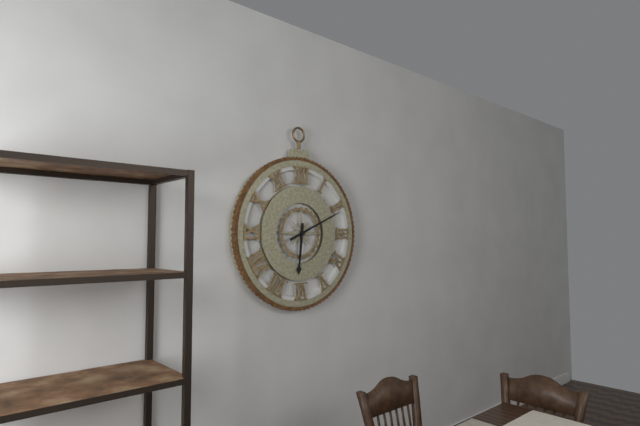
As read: {"hour": 6, "minute": 11}
